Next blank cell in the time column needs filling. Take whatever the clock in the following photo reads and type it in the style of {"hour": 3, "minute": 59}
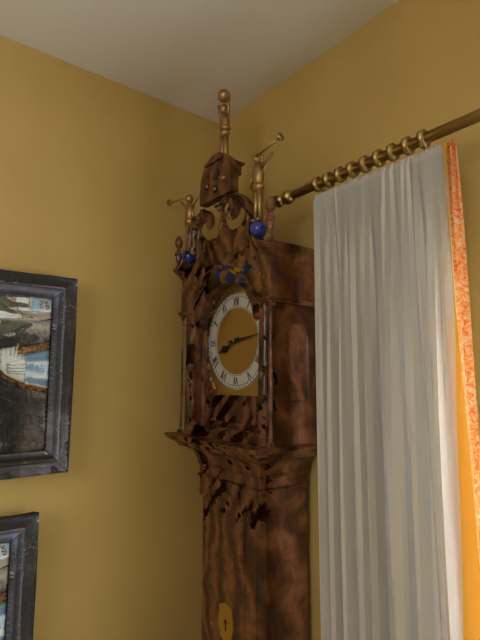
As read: {"hour": 8, "minute": 14}
